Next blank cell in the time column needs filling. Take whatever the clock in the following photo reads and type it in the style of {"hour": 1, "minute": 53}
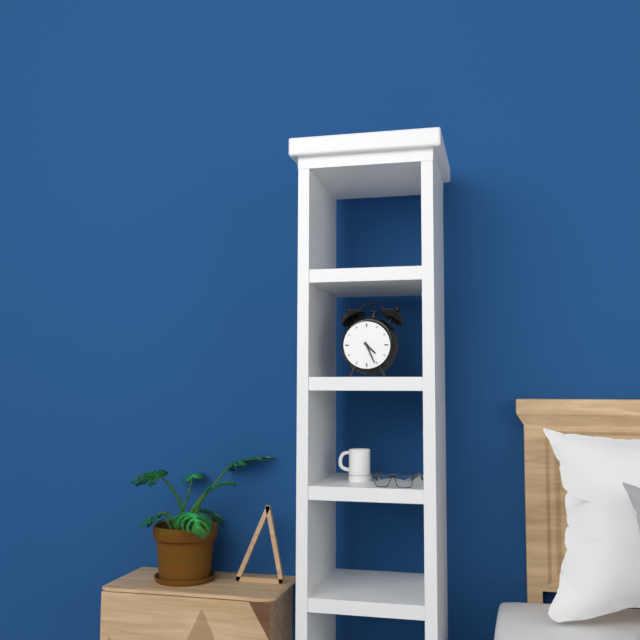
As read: {"hour": 4, "minute": 26}
